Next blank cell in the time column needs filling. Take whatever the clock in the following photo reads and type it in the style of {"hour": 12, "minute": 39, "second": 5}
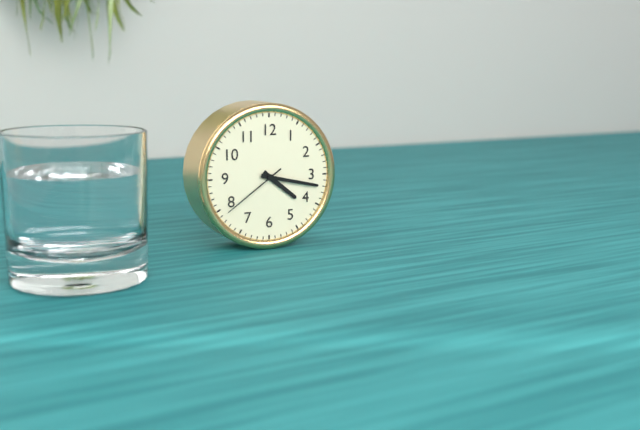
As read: {"hour": 4, "minute": 17, "second": 39}
